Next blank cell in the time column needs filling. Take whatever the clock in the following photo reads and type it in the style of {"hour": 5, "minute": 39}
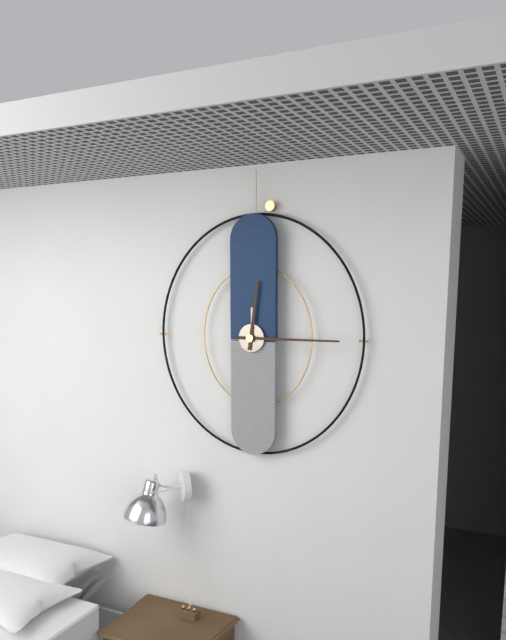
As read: {"hour": 12, "minute": 15}
